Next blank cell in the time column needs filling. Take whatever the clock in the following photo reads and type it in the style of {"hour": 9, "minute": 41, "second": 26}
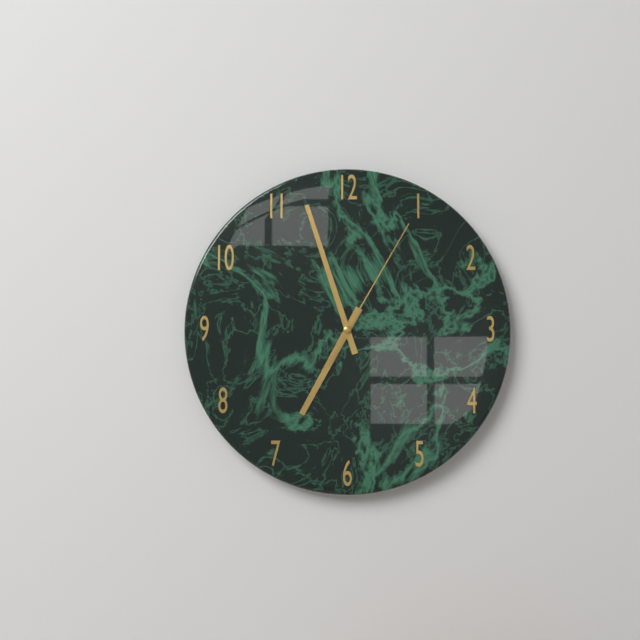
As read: {"hour": 6, "minute": 57, "second": 5}
